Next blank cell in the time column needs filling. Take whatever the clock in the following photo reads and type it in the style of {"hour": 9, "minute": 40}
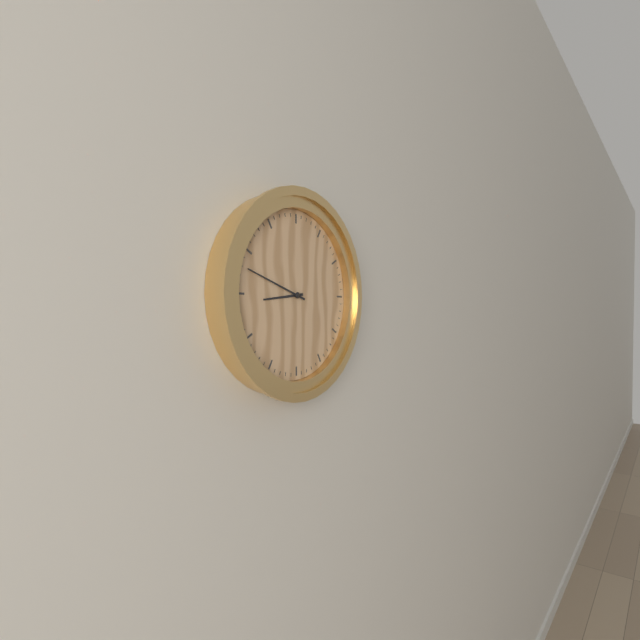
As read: {"hour": 8, "minute": 48}
